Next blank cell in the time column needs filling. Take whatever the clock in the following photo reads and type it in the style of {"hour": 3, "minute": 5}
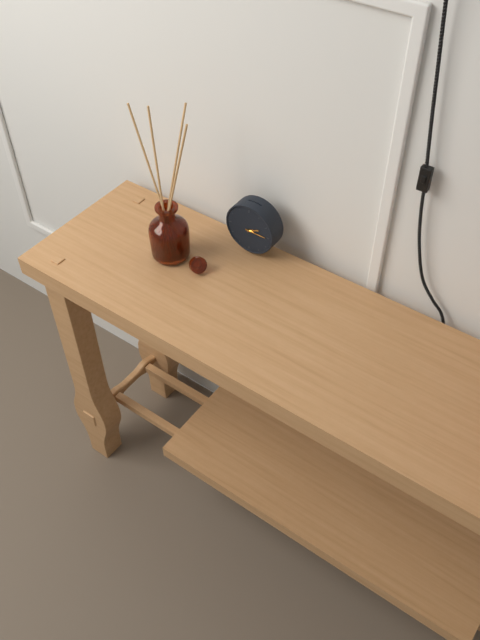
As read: {"hour": 2, "minute": 15}
